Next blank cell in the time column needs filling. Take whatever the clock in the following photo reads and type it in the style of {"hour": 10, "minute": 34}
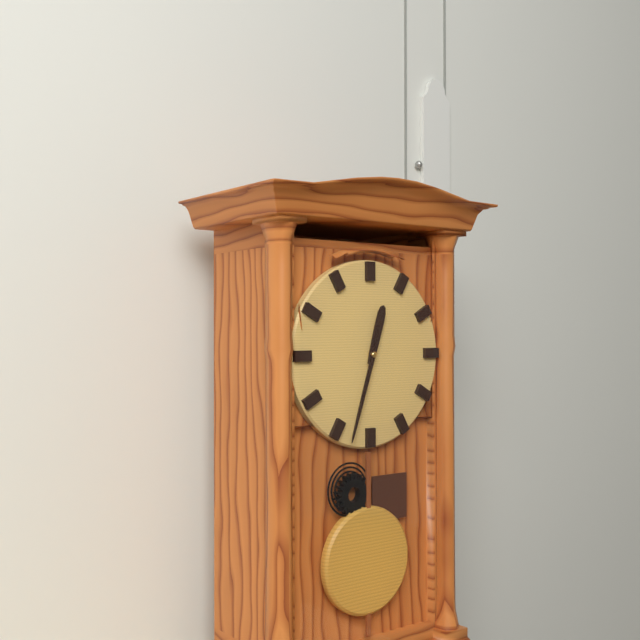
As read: {"hour": 12, "minute": 33}
